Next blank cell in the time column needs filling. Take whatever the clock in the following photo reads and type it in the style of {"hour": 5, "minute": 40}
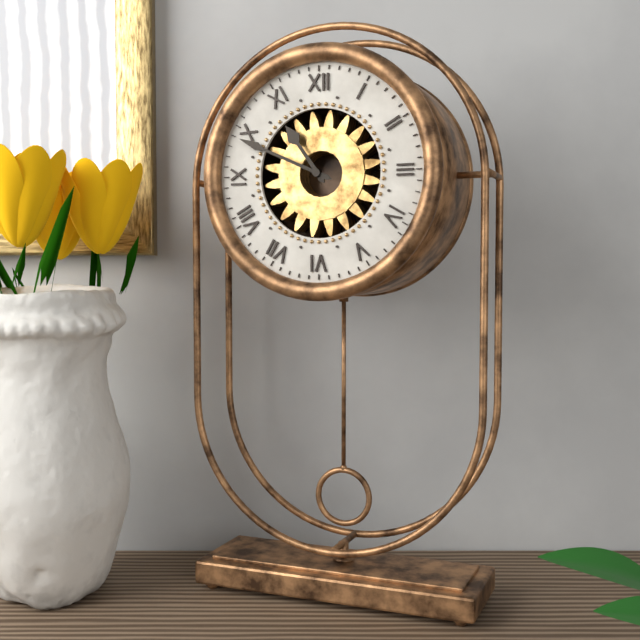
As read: {"hour": 10, "minute": 49}
